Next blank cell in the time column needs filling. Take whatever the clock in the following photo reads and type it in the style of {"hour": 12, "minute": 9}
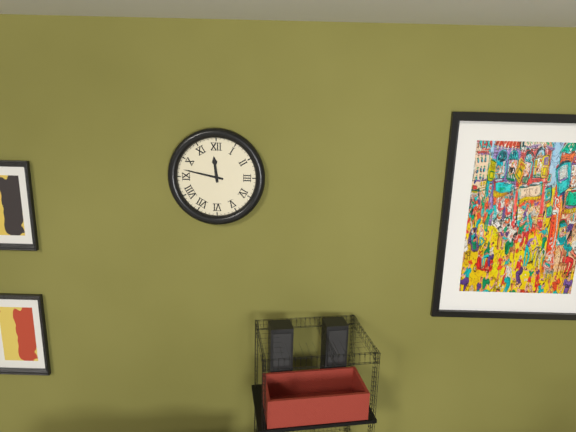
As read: {"hour": 11, "minute": 47}
